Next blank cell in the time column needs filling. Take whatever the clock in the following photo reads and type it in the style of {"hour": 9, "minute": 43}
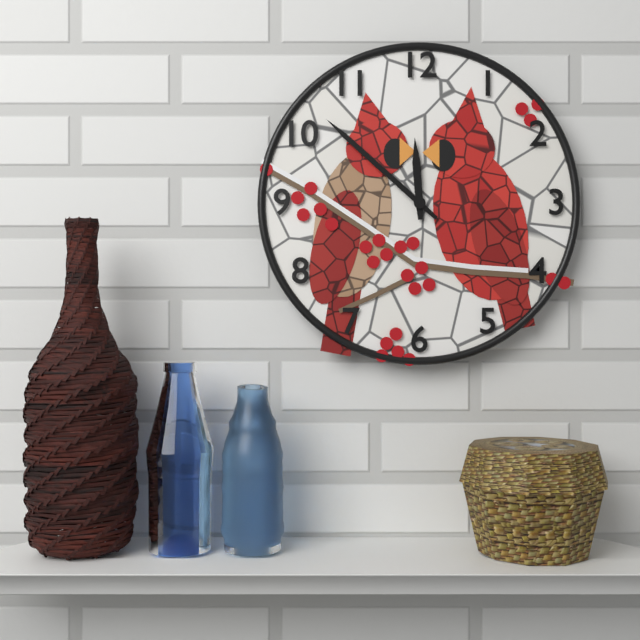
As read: {"hour": 11, "minute": 52}
